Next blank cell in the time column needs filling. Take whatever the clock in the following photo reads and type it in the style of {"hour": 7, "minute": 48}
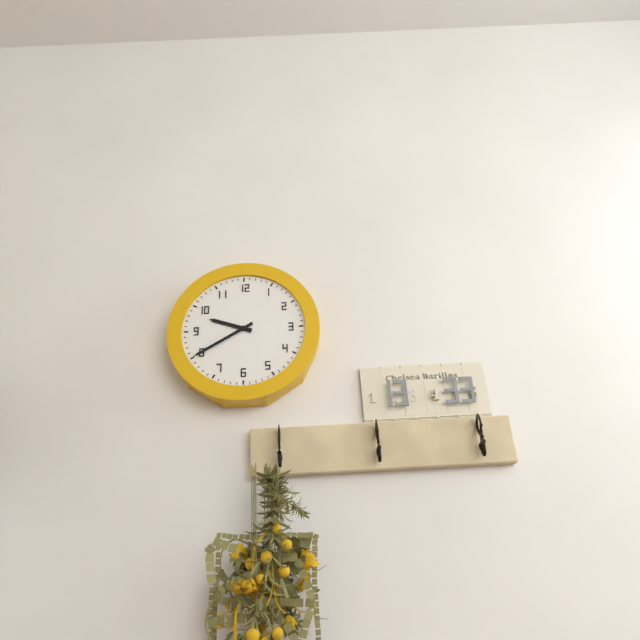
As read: {"hour": 9, "minute": 40}
